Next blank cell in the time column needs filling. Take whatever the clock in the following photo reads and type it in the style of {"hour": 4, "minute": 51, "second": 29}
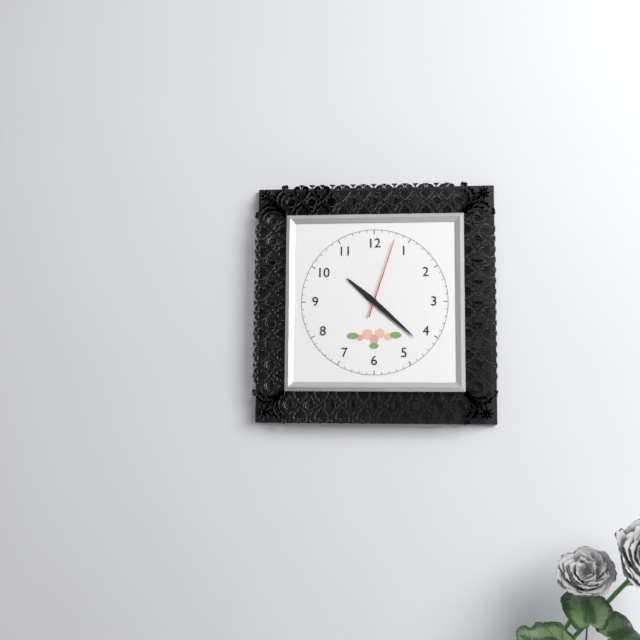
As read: {"hour": 10, "minute": 22, "second": 3}
